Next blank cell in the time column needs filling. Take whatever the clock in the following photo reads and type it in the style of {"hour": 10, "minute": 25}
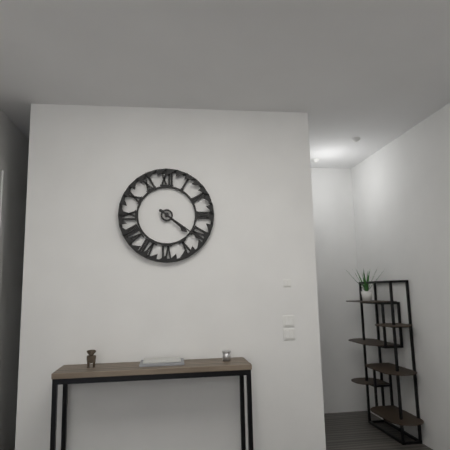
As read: {"hour": 4, "minute": 21}
